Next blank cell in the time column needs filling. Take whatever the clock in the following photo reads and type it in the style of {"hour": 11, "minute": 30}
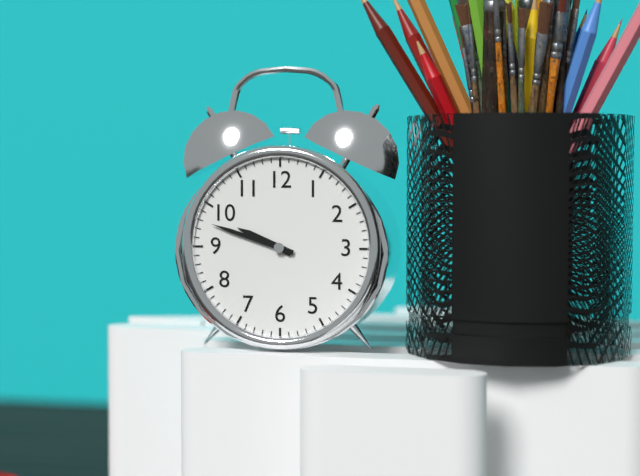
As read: {"hour": 9, "minute": 48}
